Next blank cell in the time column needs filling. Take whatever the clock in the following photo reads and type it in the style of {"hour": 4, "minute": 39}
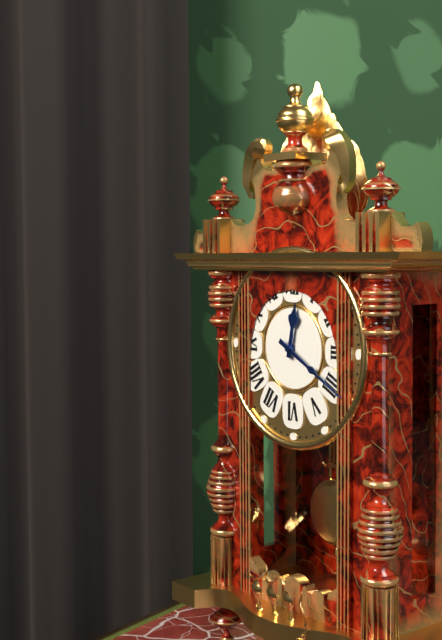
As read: {"hour": 12, "minute": 20}
